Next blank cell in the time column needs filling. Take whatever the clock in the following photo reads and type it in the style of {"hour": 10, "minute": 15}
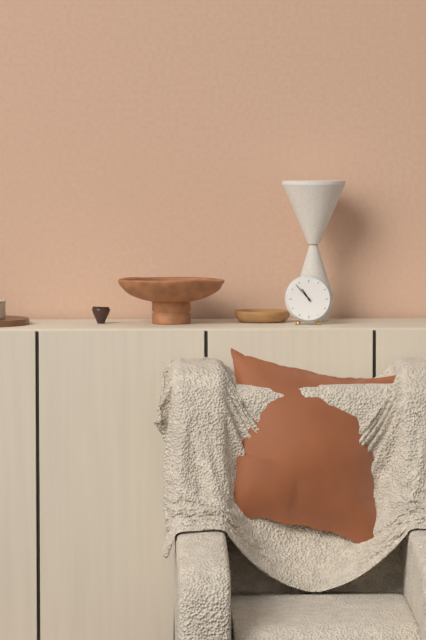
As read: {"hour": 10, "minute": 53}
